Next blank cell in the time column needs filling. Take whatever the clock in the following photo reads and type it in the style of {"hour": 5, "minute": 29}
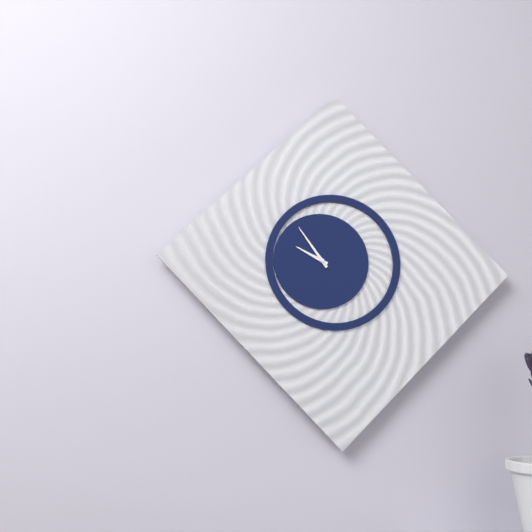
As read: {"hour": 9, "minute": 54}
